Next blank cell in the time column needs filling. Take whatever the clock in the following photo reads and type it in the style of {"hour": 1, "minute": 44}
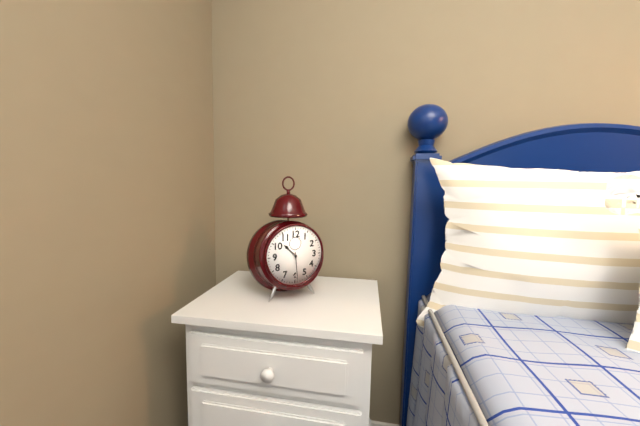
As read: {"hour": 10, "minute": 29}
